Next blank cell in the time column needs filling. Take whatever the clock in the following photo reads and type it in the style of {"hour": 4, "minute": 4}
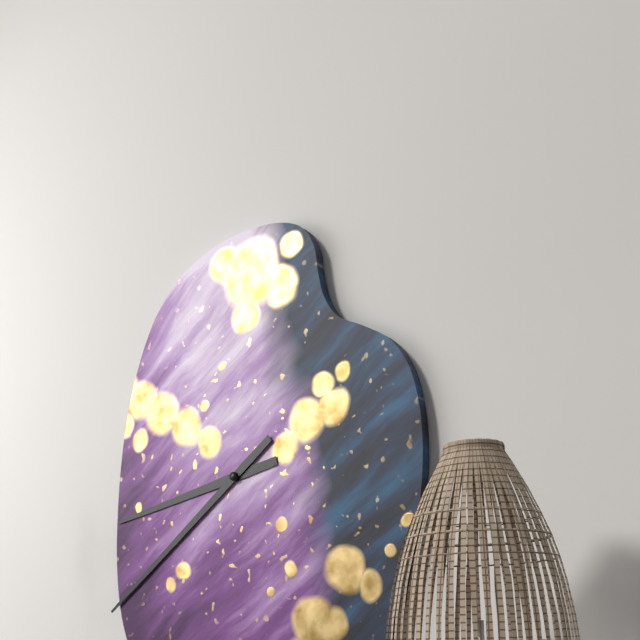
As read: {"hour": 8, "minute": 39}
